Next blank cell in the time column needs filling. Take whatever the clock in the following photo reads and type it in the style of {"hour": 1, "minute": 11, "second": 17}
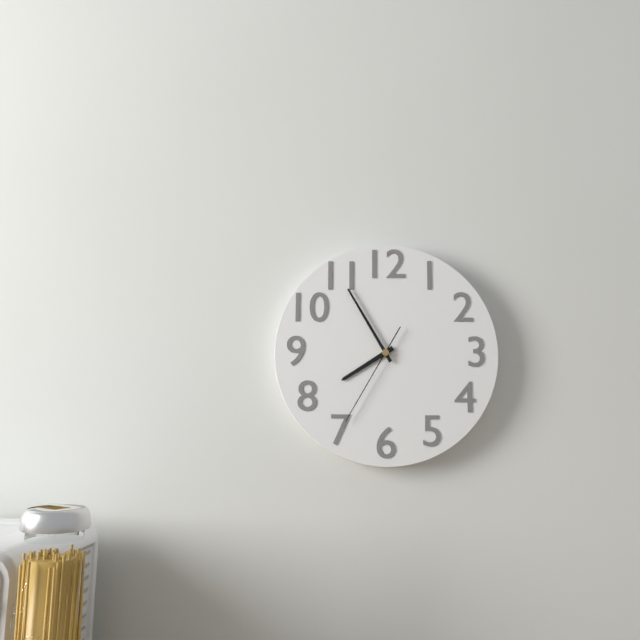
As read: {"hour": 7, "minute": 55, "second": 35}
